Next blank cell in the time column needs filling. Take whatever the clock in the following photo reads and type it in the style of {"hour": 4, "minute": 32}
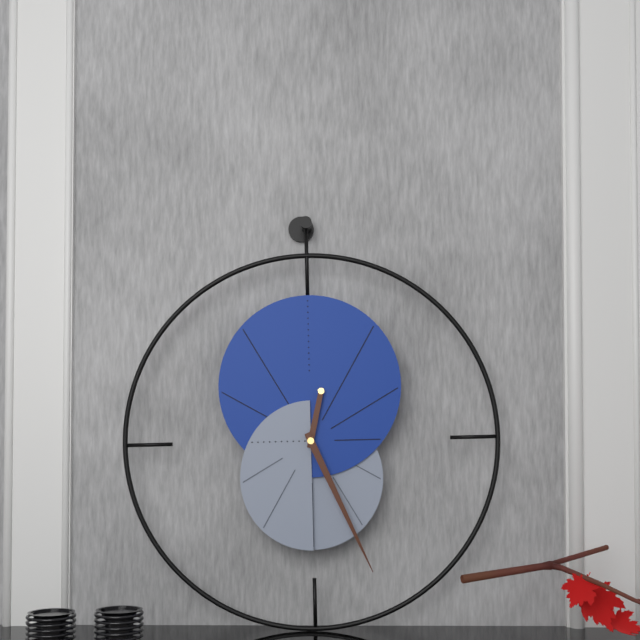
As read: {"hour": 12, "minute": 26}
